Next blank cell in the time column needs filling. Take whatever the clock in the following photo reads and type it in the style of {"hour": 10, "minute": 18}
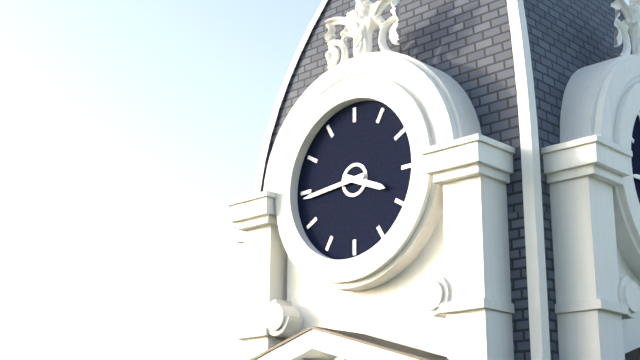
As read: {"hour": 3, "minute": 44}
